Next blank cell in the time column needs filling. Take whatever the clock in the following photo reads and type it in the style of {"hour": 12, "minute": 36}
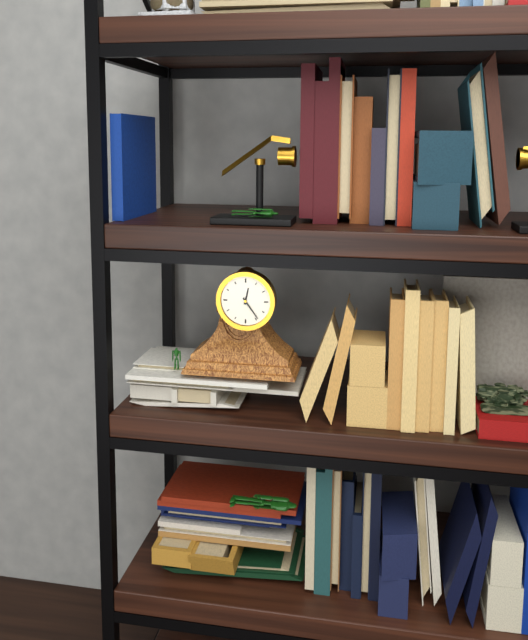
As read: {"hour": 12, "minute": 24}
